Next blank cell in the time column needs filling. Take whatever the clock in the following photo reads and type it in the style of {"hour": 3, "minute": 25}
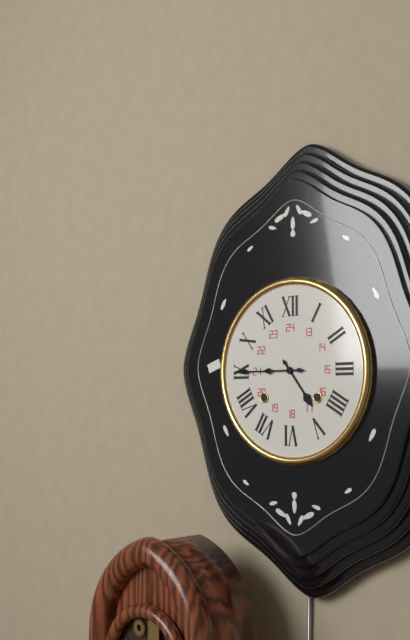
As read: {"hour": 4, "minute": 45}
